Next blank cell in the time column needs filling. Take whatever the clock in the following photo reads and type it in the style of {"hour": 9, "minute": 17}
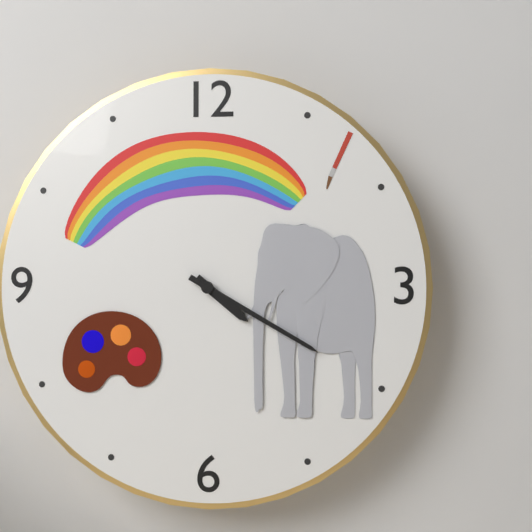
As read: {"hour": 4, "minute": 20}
